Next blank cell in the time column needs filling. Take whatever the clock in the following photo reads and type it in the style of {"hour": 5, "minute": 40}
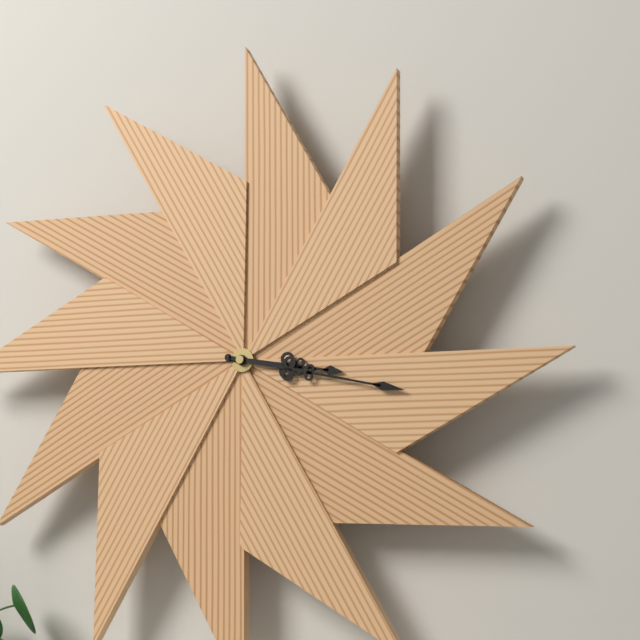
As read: {"hour": 3, "minute": 17}
